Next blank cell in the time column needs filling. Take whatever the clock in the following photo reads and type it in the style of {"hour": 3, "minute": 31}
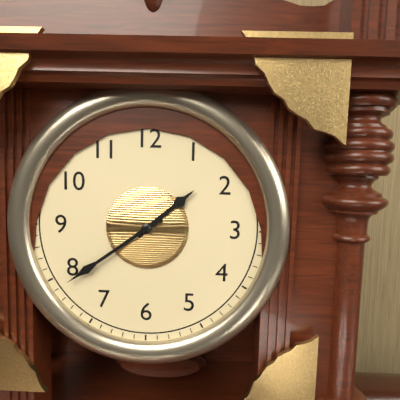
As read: {"hour": 1, "minute": 39}
